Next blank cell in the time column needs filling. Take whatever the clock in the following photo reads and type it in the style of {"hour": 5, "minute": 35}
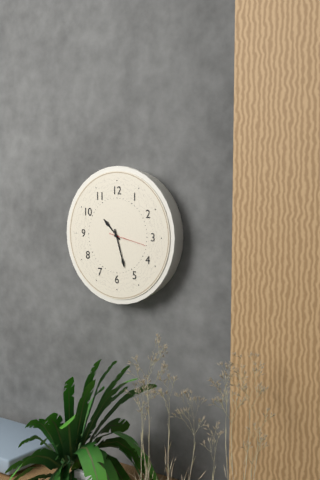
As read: {"hour": 10, "minute": 27}
